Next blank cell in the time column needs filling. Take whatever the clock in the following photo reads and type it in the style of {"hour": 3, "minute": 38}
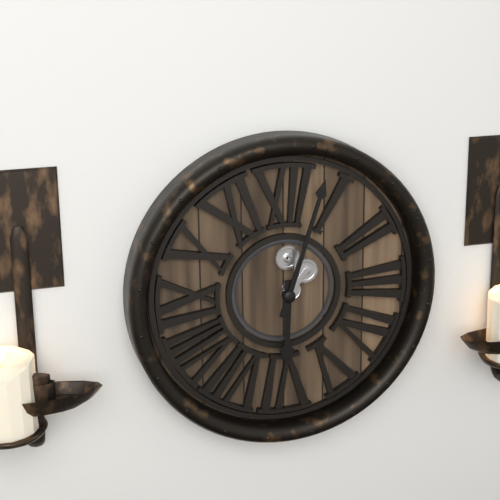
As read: {"hour": 6, "minute": 3}
